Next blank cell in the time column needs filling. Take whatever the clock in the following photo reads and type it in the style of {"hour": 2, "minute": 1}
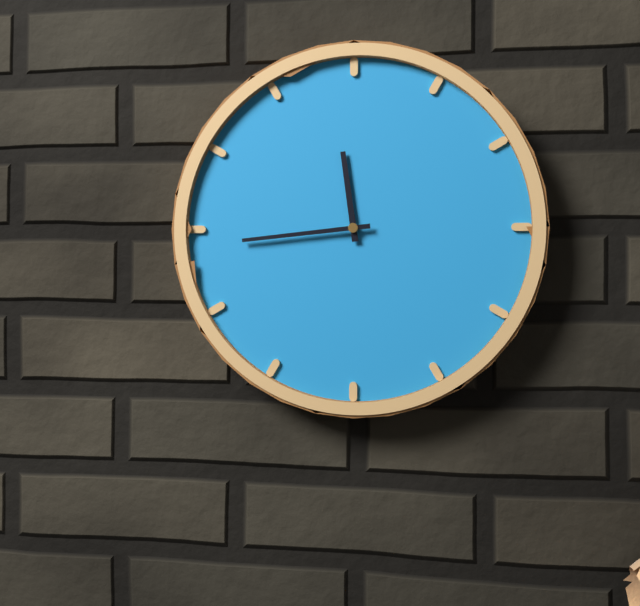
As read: {"hour": 11, "minute": 44}
